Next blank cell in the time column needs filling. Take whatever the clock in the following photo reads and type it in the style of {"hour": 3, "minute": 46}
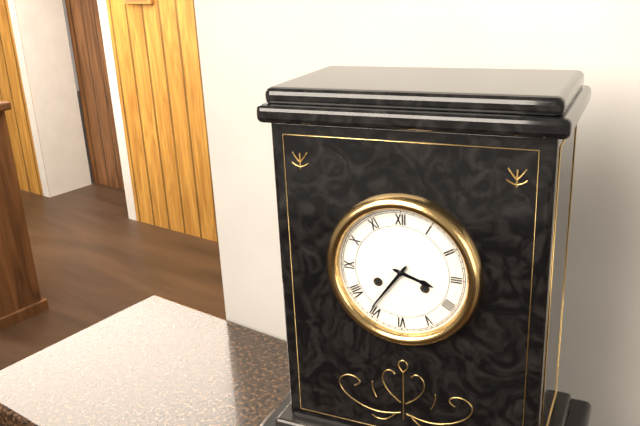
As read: {"hour": 3, "minute": 36}
